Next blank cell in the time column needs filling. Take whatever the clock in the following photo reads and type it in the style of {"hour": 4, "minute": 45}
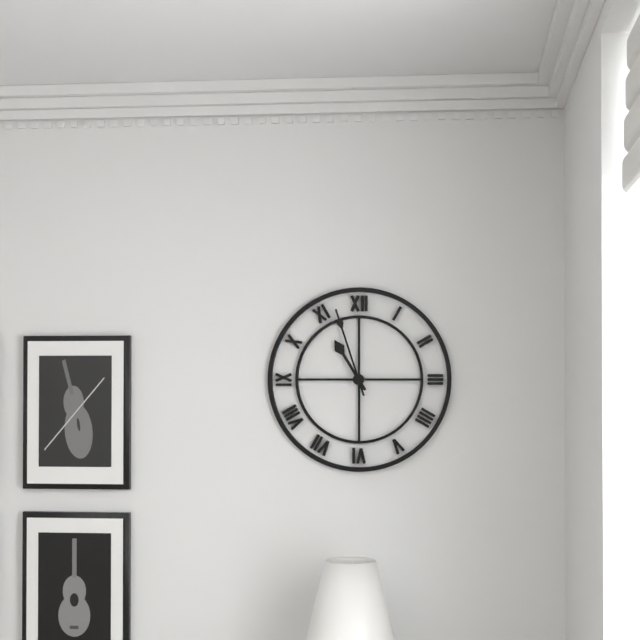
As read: {"hour": 10, "minute": 57}
